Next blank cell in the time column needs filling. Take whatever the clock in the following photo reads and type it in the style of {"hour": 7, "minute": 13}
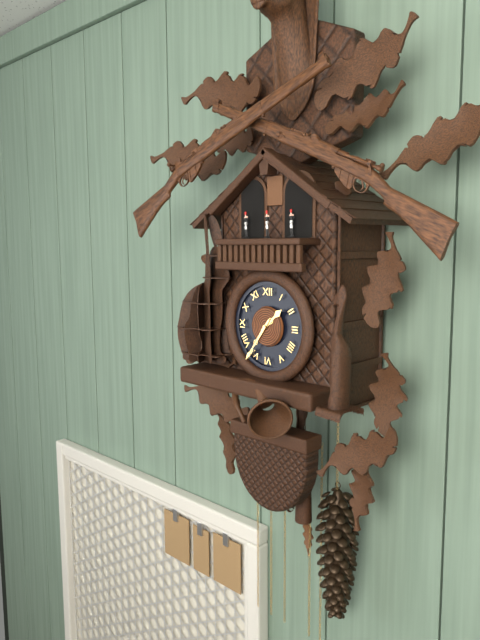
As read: {"hour": 1, "minute": 36}
